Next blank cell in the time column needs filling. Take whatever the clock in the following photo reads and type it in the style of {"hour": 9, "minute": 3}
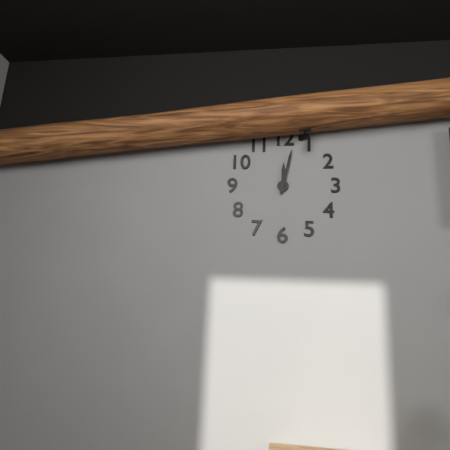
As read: {"hour": 12, "minute": 2}
